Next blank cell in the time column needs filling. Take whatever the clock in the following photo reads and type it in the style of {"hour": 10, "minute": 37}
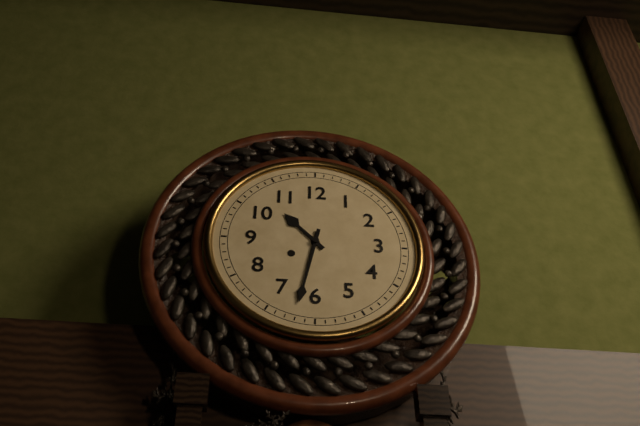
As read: {"hour": 10, "minute": 32}
